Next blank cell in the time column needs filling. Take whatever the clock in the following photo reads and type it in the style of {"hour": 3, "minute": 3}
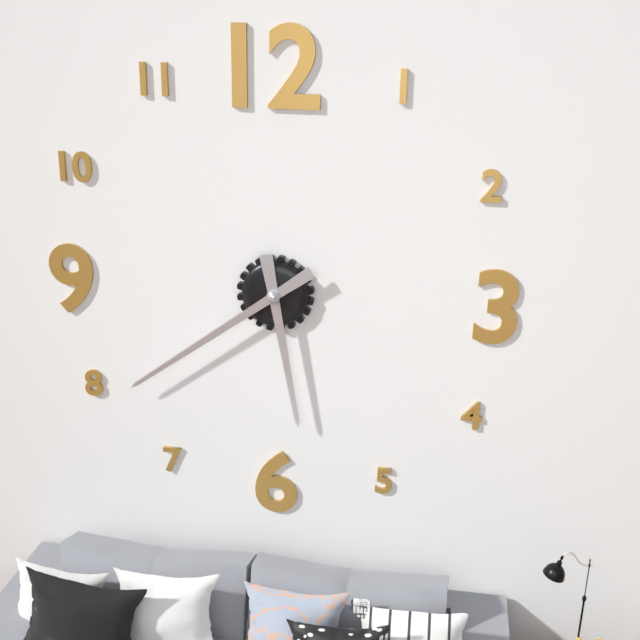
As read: {"hour": 5, "minute": 39}
